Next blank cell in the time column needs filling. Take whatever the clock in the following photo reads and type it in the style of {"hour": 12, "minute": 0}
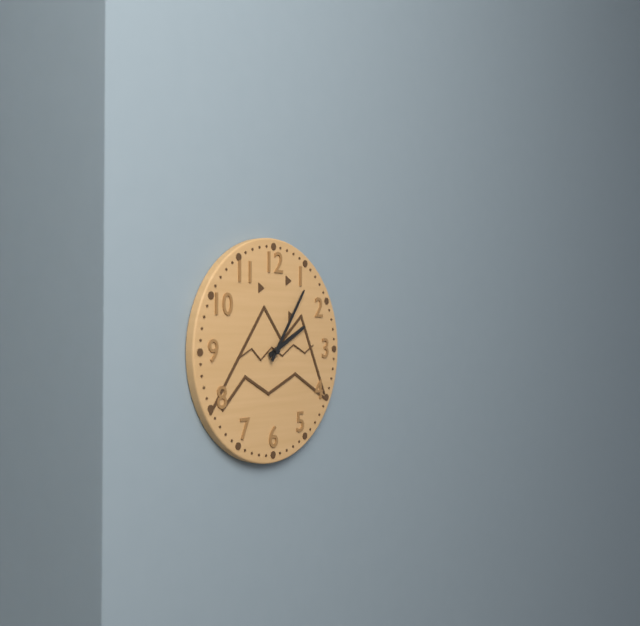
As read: {"hour": 2, "minute": 6}
